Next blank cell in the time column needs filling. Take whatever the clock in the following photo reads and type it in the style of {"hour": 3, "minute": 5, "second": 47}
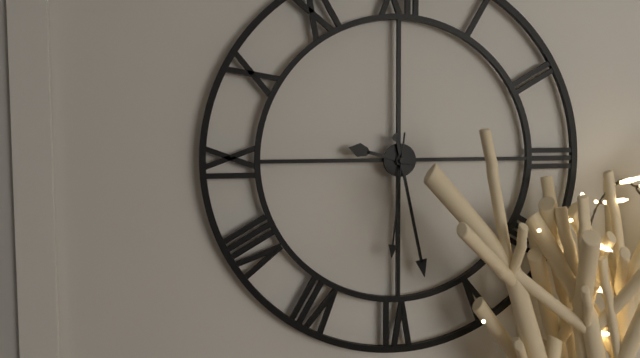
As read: {"hour": 9, "minute": 28, "second": 31}
